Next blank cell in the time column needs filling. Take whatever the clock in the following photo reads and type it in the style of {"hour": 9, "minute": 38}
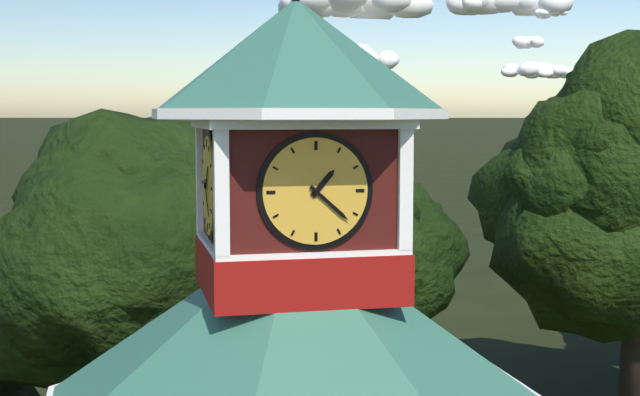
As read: {"hour": 1, "minute": 22}
